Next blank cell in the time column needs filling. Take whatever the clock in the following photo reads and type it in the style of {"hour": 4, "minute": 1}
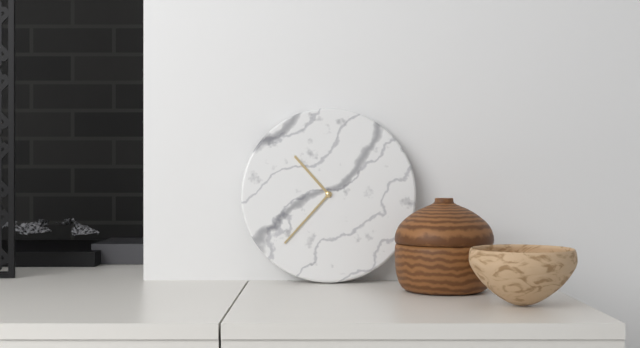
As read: {"hour": 10, "minute": 37}
